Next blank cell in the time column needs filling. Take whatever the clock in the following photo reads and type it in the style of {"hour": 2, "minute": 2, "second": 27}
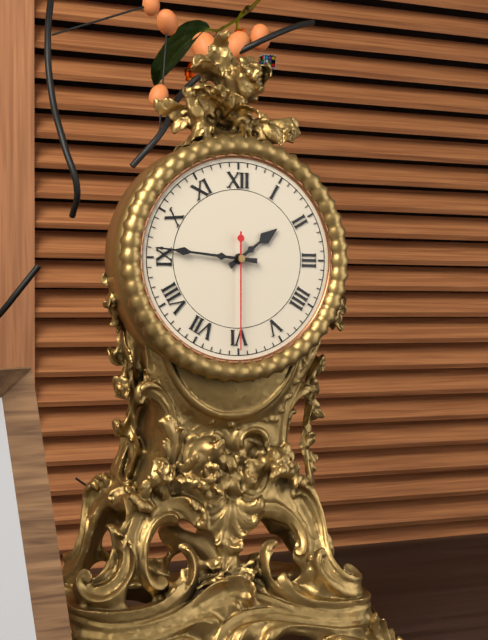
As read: {"hour": 1, "minute": 46, "second": 30}
